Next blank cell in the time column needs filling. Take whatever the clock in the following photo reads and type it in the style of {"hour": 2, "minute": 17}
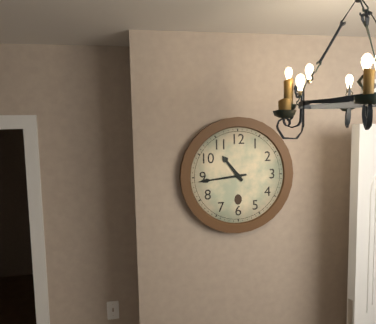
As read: {"hour": 10, "minute": 44}
